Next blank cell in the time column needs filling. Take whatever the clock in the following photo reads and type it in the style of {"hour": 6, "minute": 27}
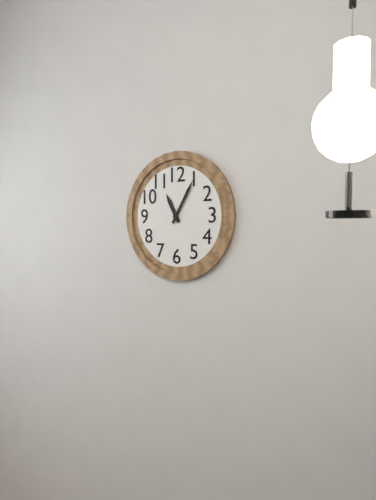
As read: {"hour": 11, "minute": 5}
